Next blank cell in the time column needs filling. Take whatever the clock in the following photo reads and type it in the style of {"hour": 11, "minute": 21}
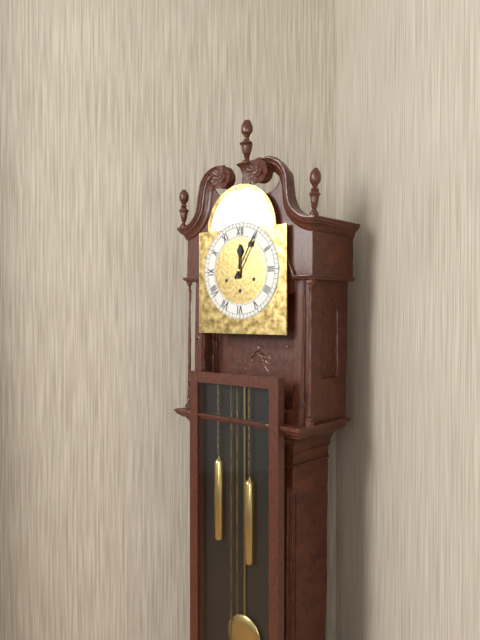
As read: {"hour": 12, "minute": 5}
